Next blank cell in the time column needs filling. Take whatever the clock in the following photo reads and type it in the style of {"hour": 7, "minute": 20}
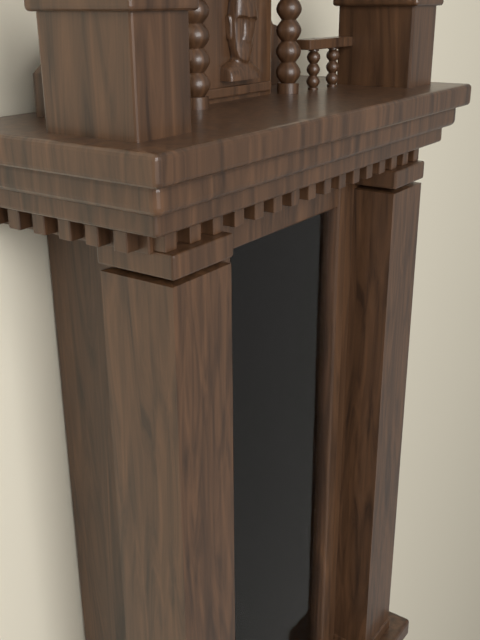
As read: {"hour": 7, "minute": 13}
